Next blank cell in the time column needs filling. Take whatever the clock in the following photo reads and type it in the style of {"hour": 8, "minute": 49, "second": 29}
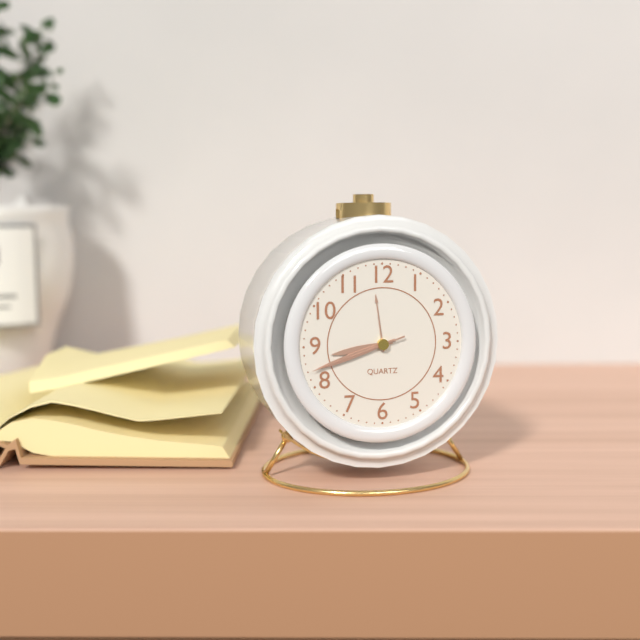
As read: {"hour": 8, "minute": 42, "second": 42}
